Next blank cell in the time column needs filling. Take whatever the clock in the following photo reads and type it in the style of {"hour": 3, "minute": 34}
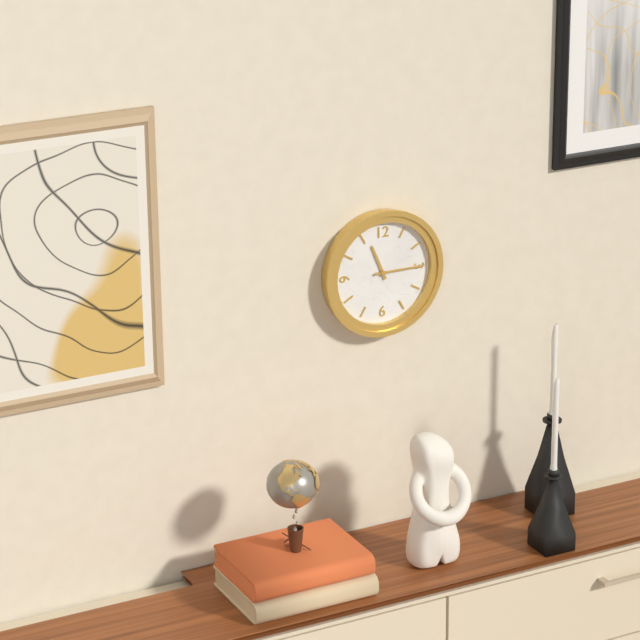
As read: {"hour": 11, "minute": 15}
